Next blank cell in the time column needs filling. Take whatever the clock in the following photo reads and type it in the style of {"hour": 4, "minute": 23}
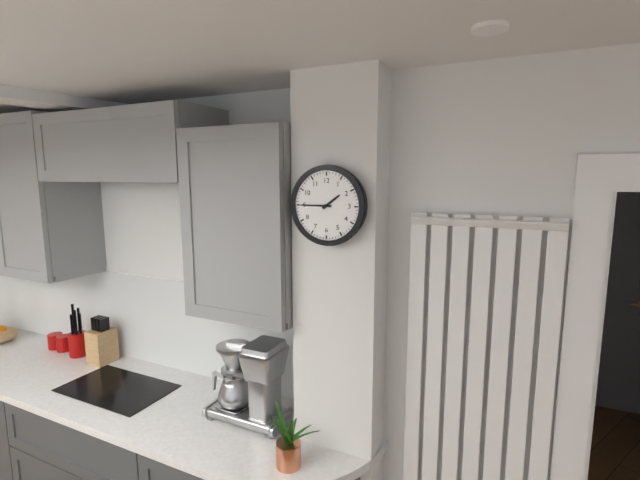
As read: {"hour": 1, "minute": 45}
